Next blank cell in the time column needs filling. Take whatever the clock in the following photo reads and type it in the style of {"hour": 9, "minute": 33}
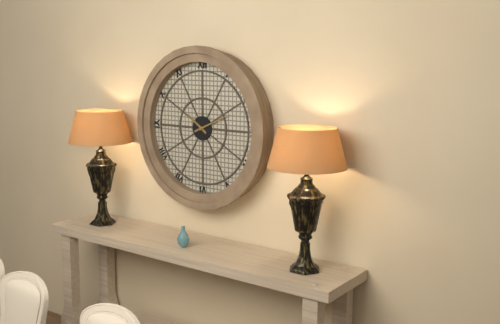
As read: {"hour": 10, "minute": 11}
